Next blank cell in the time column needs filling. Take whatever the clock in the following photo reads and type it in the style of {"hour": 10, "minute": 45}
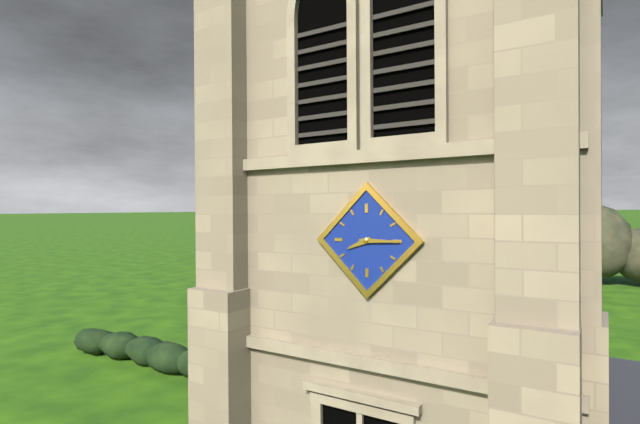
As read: {"hour": 8, "minute": 15}
